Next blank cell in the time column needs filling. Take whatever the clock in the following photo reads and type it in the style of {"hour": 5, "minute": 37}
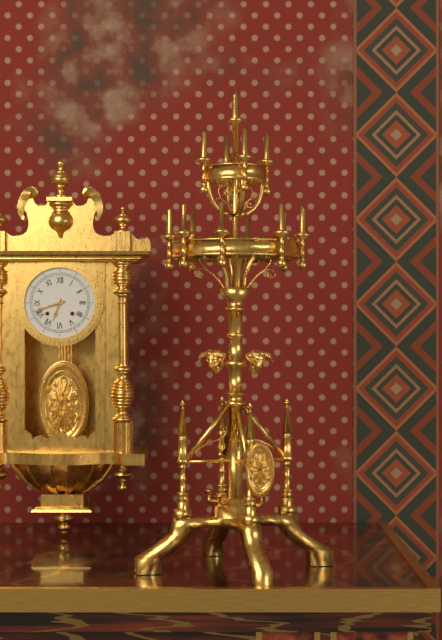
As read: {"hour": 6, "minute": 42}
